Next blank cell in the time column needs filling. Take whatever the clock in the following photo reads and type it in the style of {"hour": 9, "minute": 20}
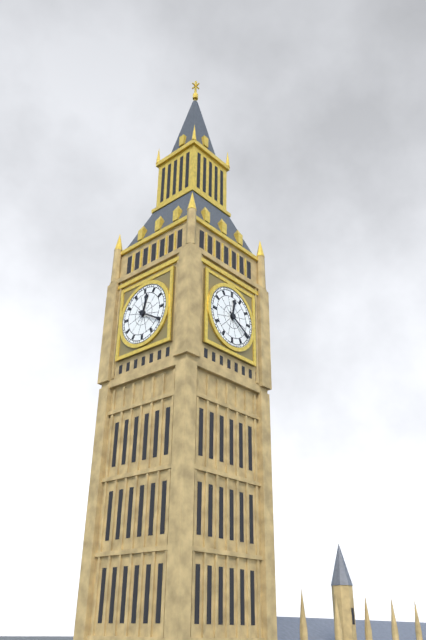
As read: {"hour": 12, "minute": 20}
